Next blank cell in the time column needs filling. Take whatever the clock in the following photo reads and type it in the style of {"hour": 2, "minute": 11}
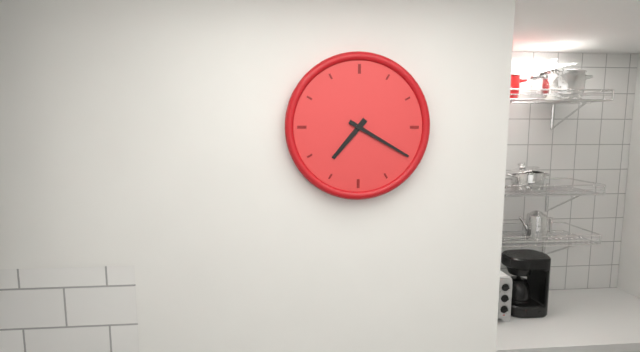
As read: {"hour": 7, "minute": 20}
